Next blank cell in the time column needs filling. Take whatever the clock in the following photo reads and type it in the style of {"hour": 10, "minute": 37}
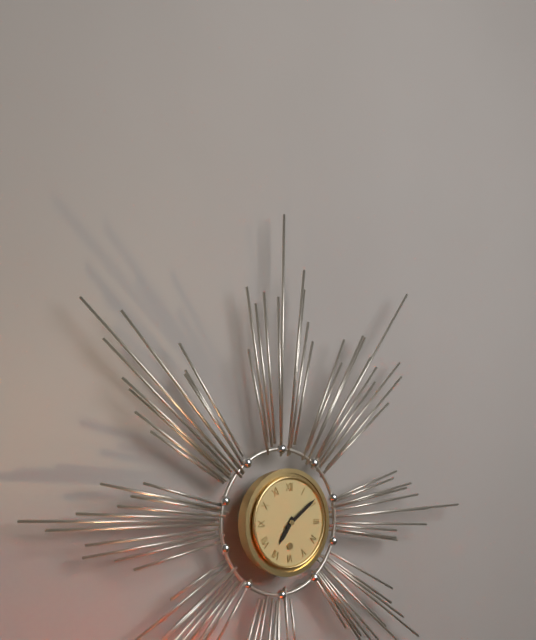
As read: {"hour": 7, "minute": 9}
